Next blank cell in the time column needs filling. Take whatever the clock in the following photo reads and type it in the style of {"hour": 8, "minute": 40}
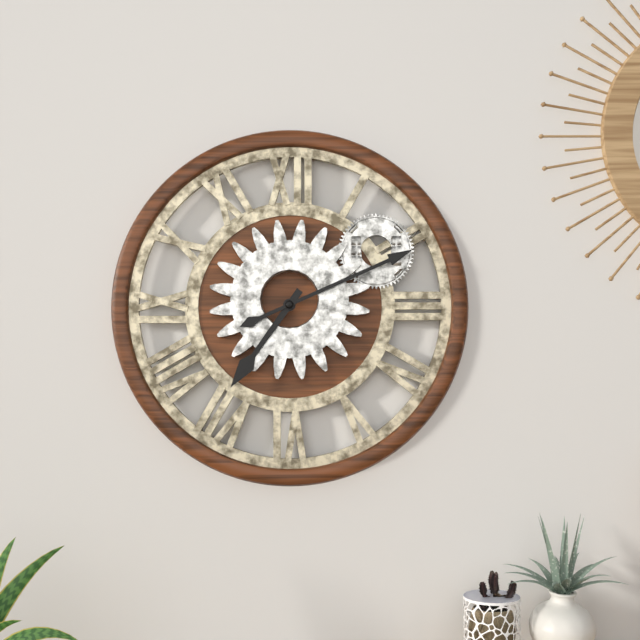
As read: {"hour": 7, "minute": 11}
